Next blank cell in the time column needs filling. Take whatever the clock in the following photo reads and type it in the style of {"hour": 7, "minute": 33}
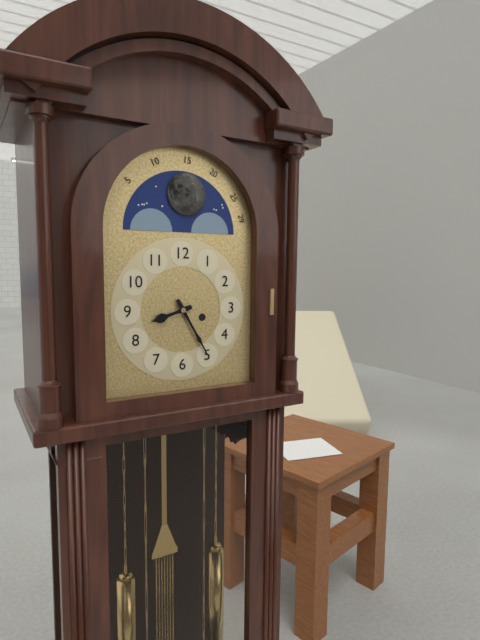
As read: {"hour": 8, "minute": 25}
